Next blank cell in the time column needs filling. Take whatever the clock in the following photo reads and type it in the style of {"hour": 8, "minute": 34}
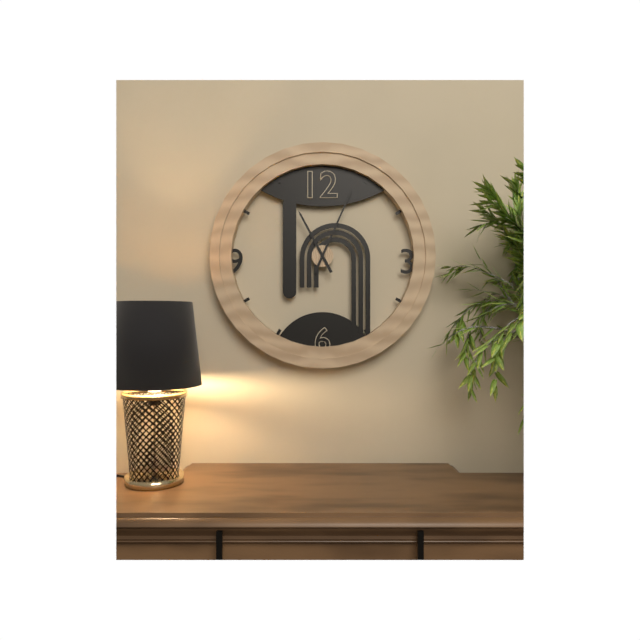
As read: {"hour": 11, "minute": 4}
